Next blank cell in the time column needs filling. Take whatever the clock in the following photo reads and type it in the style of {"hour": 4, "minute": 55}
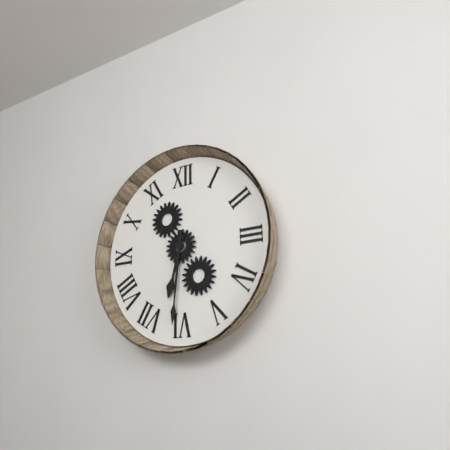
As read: {"hour": 6, "minute": 31}
